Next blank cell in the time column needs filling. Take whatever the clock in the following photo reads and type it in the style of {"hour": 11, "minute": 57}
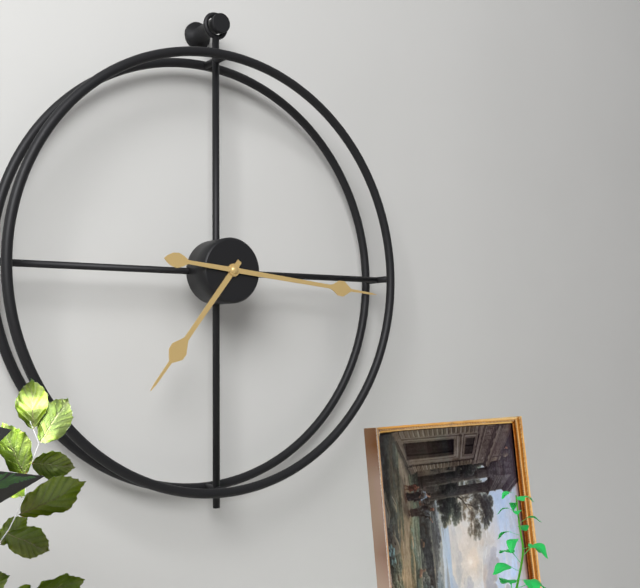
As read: {"hour": 7, "minute": 16}
